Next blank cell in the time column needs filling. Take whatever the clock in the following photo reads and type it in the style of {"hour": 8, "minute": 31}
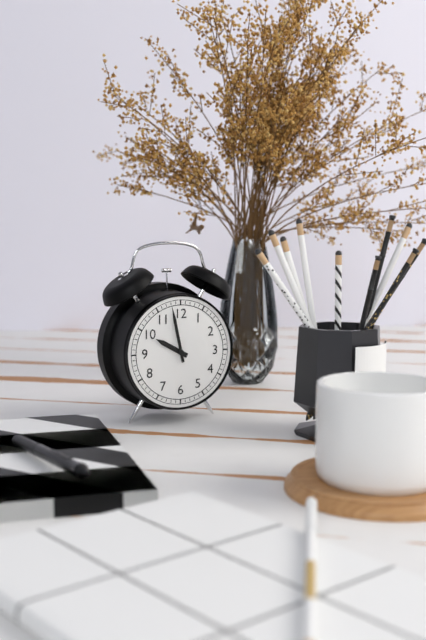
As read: {"hour": 9, "minute": 58}
